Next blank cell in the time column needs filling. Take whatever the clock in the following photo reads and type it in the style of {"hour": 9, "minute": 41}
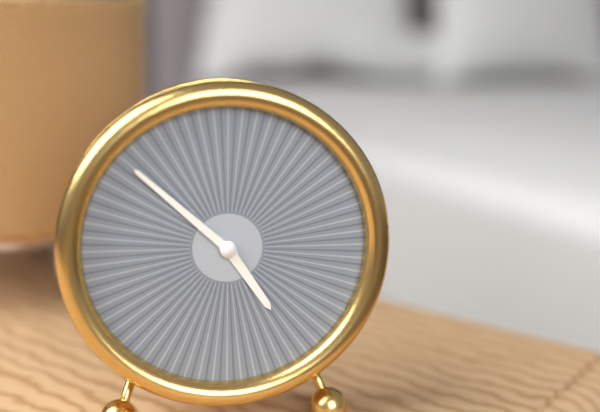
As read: {"hour": 4, "minute": 52}
